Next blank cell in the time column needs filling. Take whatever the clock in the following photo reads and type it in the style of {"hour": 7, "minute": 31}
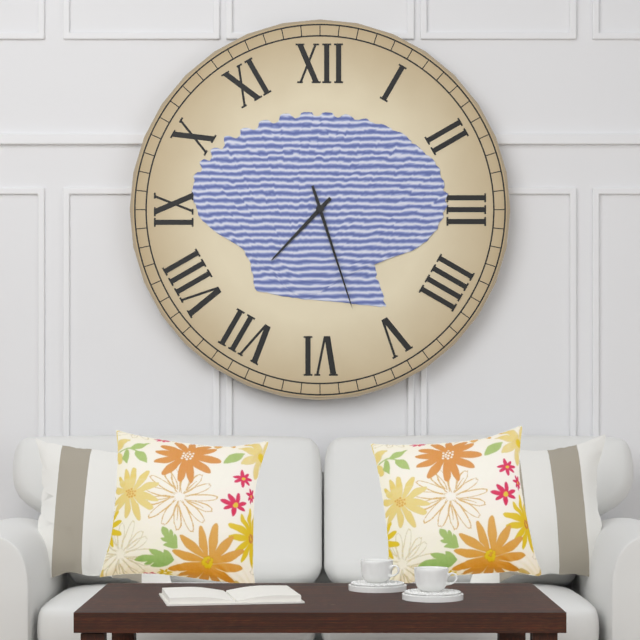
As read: {"hour": 7, "minute": 27}
